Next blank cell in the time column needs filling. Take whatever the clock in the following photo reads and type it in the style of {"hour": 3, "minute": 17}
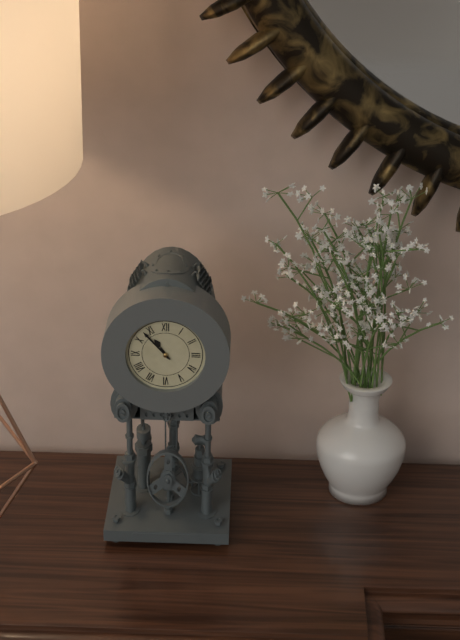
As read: {"hour": 10, "minute": 53}
